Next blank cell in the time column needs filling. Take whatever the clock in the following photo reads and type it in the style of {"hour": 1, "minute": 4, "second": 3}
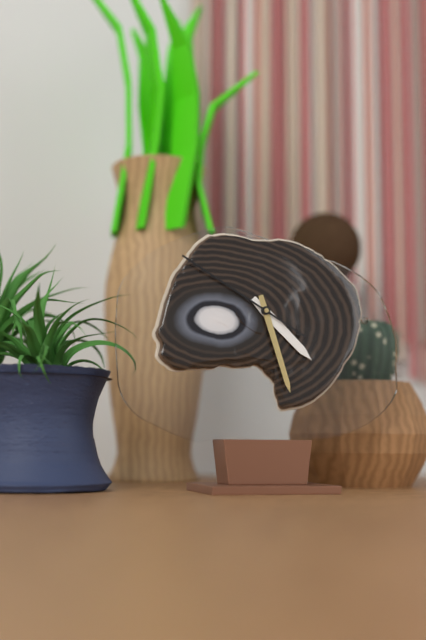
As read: {"hour": 4, "minute": 27, "second": 50}
